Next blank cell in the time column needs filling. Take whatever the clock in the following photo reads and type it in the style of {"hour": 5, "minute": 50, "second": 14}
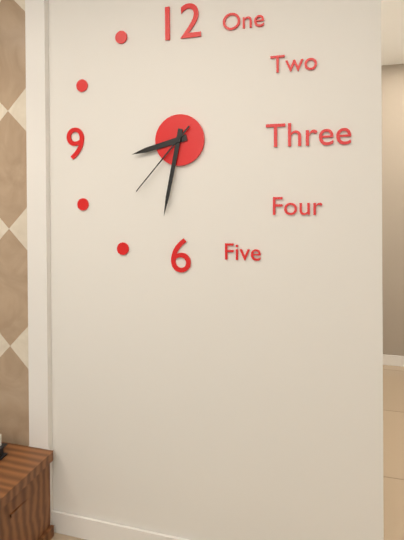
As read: {"hour": 8, "minute": 32, "second": 37}
